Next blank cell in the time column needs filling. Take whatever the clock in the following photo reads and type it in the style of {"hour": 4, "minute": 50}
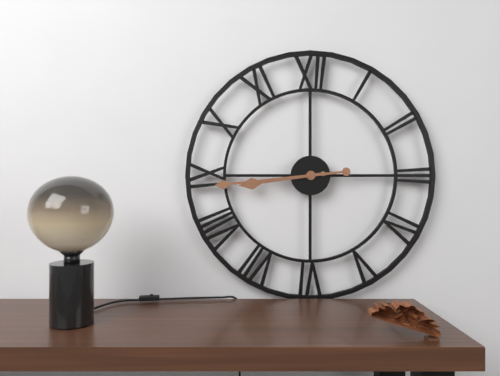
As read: {"hour": 8, "minute": 44}
